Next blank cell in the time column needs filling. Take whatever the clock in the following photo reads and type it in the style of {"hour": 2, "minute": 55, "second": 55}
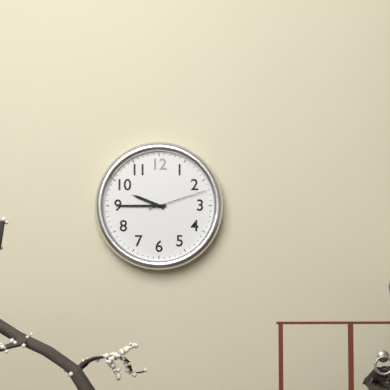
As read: {"hour": 9, "minute": 45, "second": 12}
